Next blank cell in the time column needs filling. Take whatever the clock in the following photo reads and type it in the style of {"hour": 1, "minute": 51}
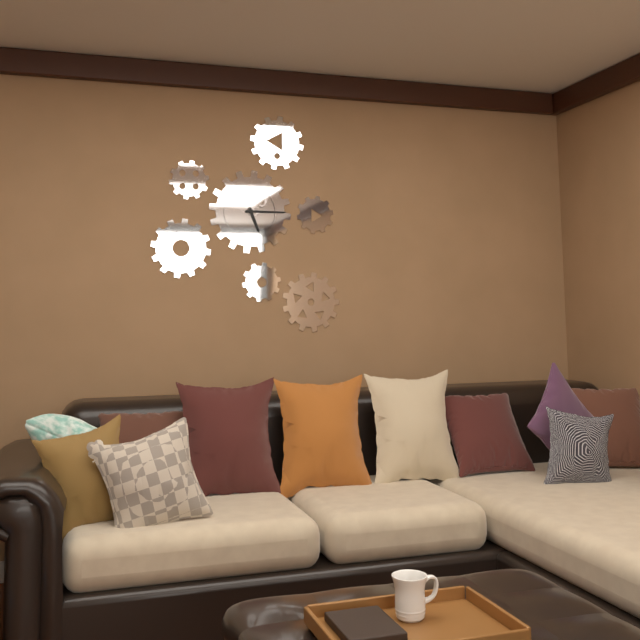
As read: {"hour": 5, "minute": 15}
